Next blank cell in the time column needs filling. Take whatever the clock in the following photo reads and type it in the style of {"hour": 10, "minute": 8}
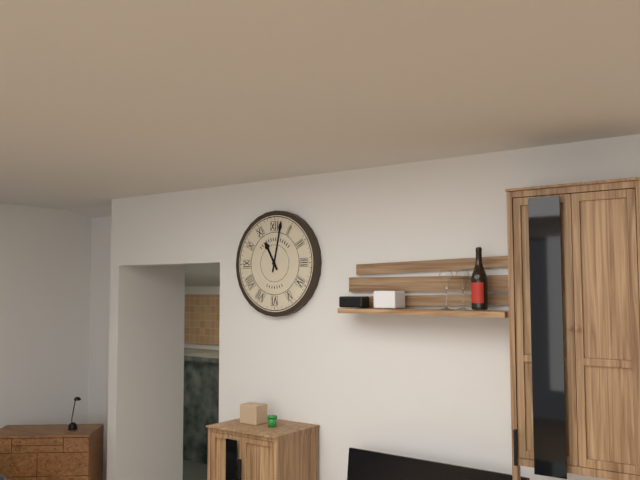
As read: {"hour": 11, "minute": 2}
